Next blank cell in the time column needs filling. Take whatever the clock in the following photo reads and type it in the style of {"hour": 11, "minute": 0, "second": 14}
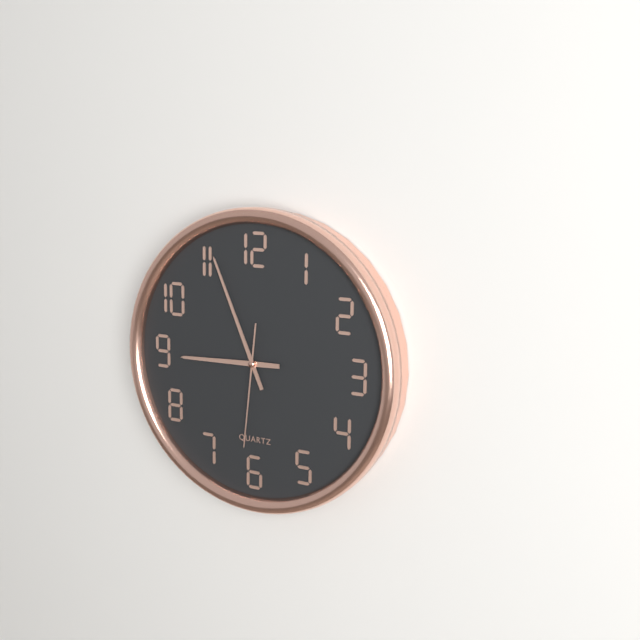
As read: {"hour": 8, "minute": 56, "second": 31}
